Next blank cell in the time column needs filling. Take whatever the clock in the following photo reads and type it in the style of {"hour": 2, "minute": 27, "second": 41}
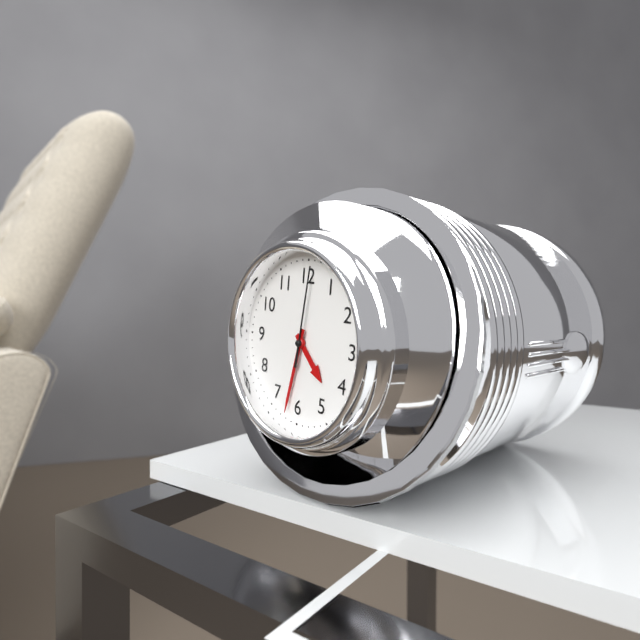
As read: {"hour": 4, "minute": 32, "second": 1}
